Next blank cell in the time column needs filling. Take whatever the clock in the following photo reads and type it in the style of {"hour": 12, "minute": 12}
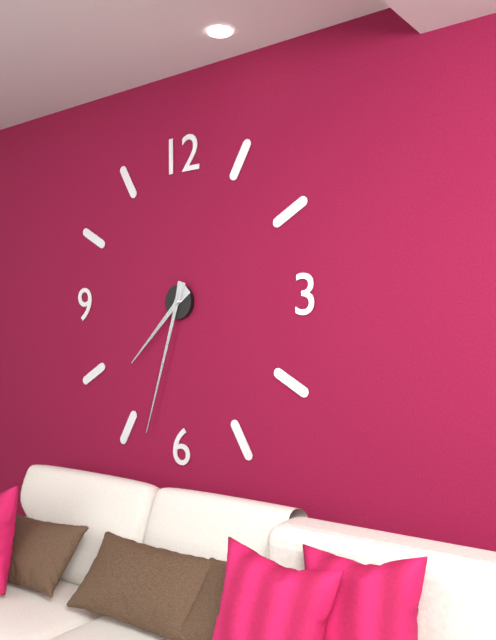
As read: {"hour": 7, "minute": 33}
